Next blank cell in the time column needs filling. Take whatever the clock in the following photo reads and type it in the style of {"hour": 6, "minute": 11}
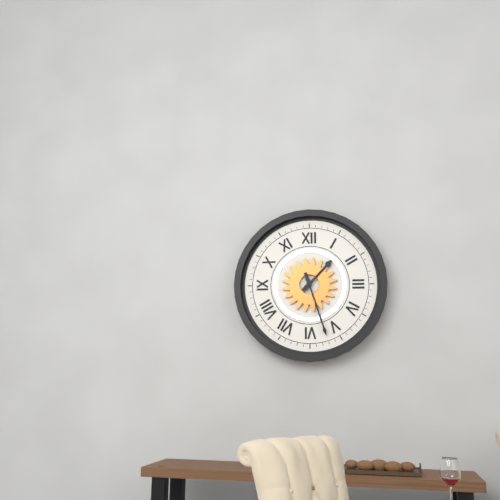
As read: {"hour": 1, "minute": 27}
